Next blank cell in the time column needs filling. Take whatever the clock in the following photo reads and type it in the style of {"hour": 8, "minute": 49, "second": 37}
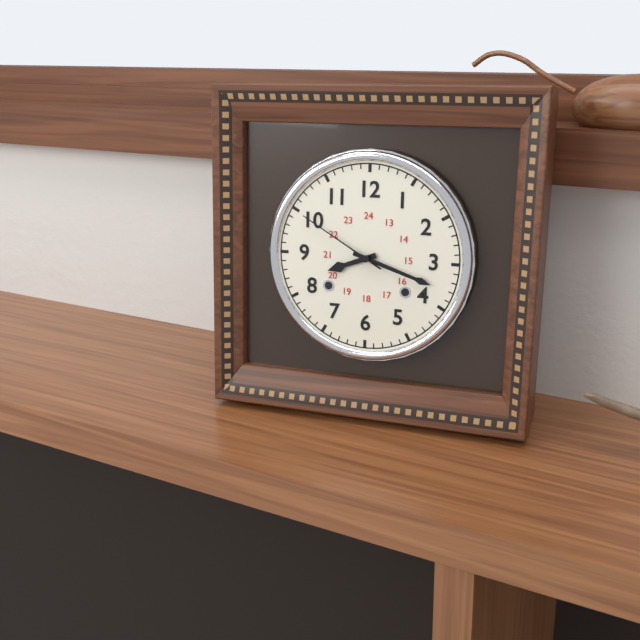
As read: {"hour": 8, "minute": 18, "second": 50}
